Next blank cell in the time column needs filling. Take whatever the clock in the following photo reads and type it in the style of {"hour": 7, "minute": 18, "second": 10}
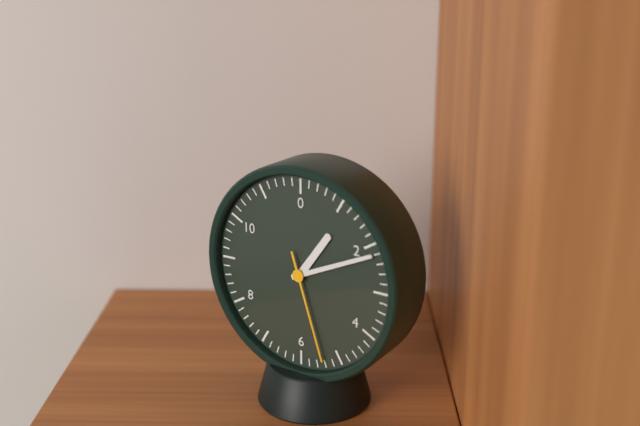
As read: {"hour": 1, "minute": 11, "second": 27}
